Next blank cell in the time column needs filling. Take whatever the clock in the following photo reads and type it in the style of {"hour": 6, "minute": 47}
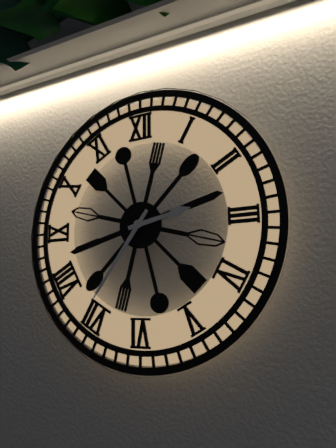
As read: {"hour": 2, "minute": 36}
